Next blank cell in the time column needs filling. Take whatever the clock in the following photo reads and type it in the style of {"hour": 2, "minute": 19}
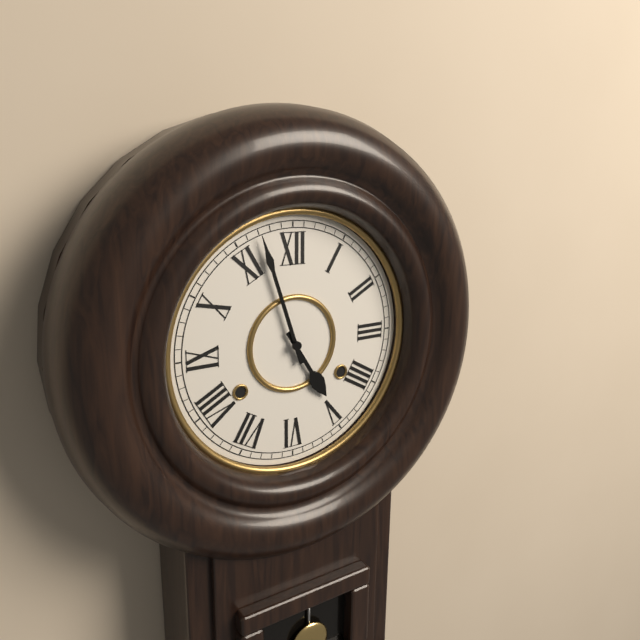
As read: {"hour": 4, "minute": 57}
